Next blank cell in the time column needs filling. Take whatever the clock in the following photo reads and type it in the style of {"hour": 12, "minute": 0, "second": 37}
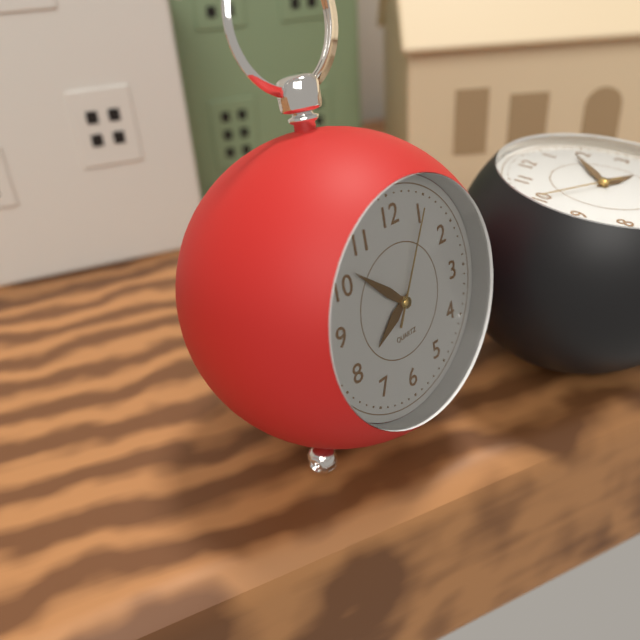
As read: {"hour": 7, "minute": 52, "second": 5}
